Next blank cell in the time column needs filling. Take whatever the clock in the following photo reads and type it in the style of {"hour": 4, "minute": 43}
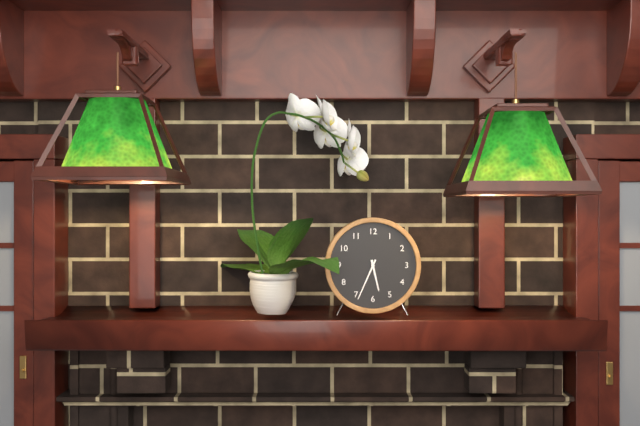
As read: {"hour": 5, "minute": 34}
